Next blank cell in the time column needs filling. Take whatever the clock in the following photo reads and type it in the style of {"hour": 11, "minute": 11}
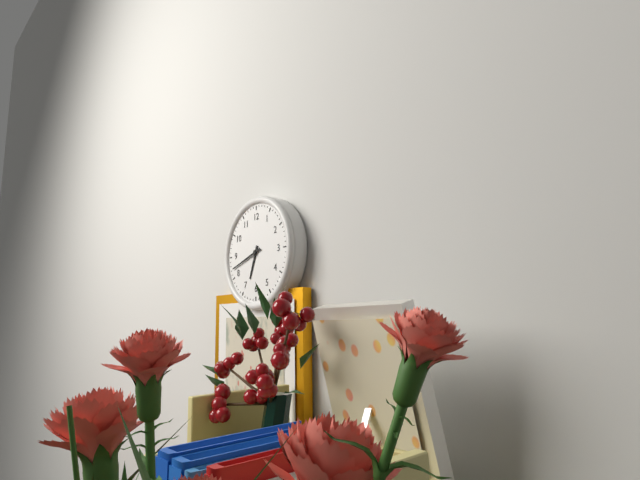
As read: {"hour": 6, "minute": 42}
